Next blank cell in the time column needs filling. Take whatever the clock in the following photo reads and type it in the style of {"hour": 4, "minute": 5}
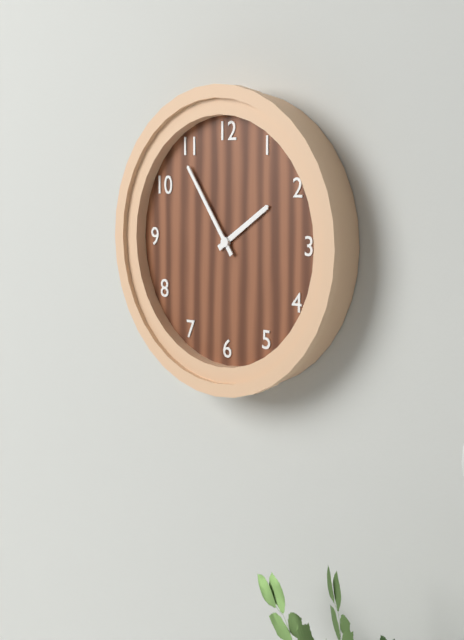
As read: {"hour": 1, "minute": 54}
